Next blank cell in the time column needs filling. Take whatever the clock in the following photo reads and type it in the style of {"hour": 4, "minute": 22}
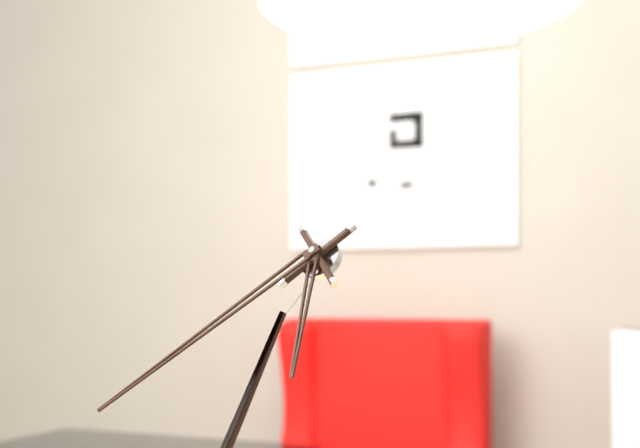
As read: {"hour": 5, "minute": 38}
